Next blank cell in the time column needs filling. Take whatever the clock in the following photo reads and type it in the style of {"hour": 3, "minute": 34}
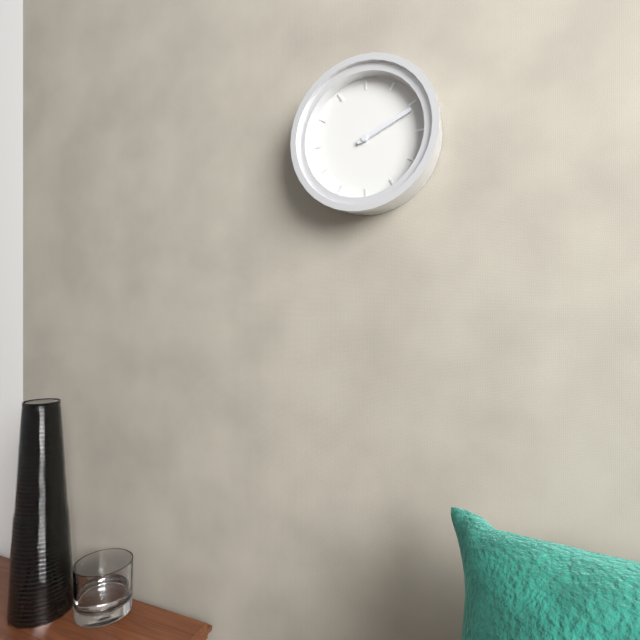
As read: {"hour": 2, "minute": 11}
